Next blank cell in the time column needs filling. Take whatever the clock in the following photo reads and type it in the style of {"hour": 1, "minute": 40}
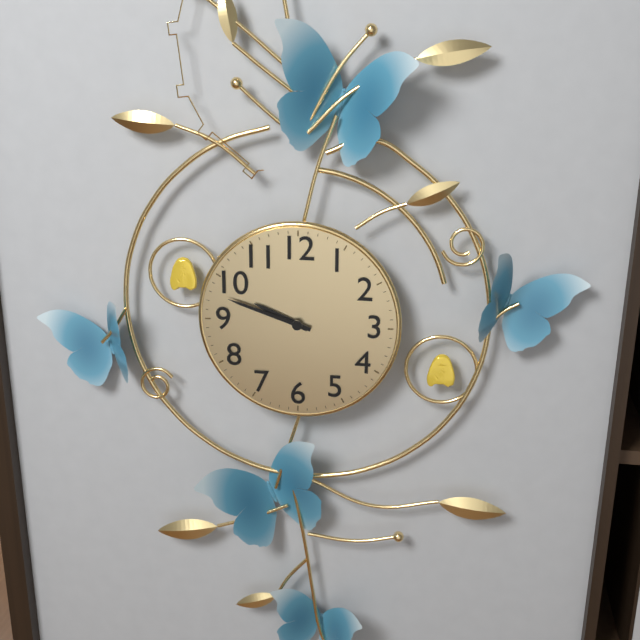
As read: {"hour": 9, "minute": 48}
